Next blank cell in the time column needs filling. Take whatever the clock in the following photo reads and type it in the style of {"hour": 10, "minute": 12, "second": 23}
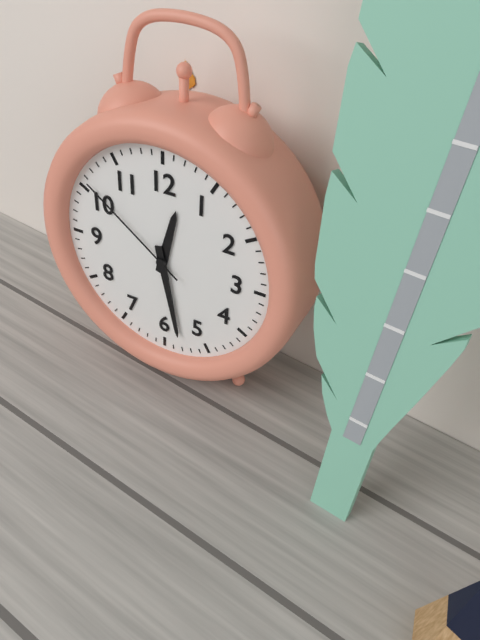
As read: {"hour": 12, "minute": 28, "second": 51}
